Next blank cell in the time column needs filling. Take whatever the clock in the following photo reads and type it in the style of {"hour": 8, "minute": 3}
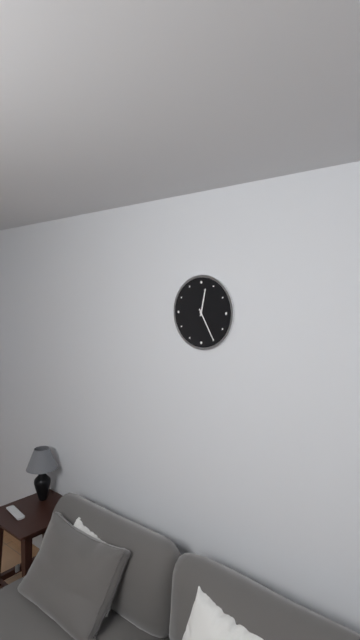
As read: {"hour": 12, "minute": 25}
